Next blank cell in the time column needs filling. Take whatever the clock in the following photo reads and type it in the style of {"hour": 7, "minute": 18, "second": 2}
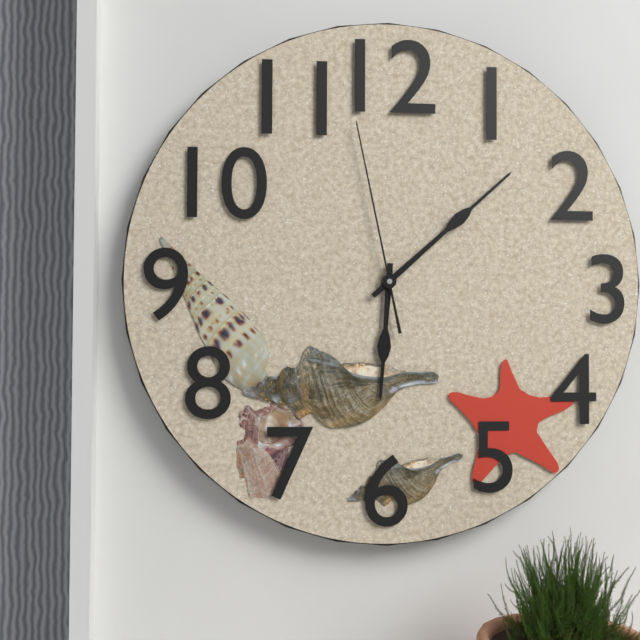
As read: {"hour": 6, "minute": 8, "second": 58}
